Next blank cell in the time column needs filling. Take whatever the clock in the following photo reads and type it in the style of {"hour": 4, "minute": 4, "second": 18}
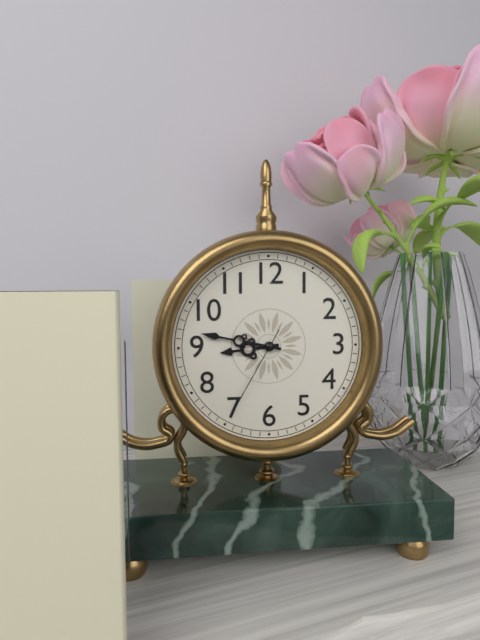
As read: {"hour": 8, "minute": 47, "second": 35}
